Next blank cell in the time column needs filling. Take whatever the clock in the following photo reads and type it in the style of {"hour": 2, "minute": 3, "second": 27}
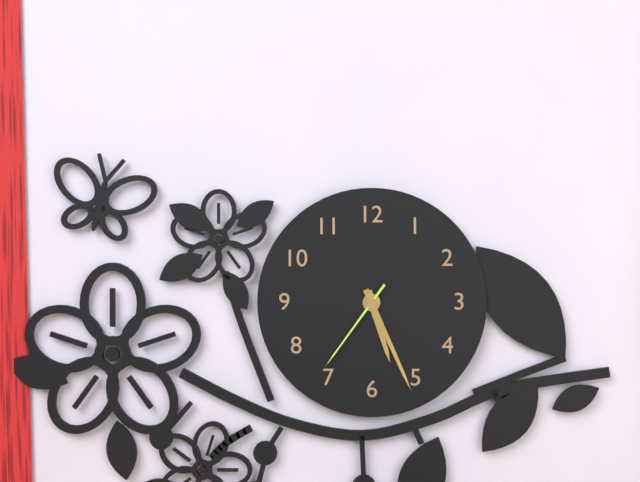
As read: {"hour": 5, "minute": 26, "second": 36}
